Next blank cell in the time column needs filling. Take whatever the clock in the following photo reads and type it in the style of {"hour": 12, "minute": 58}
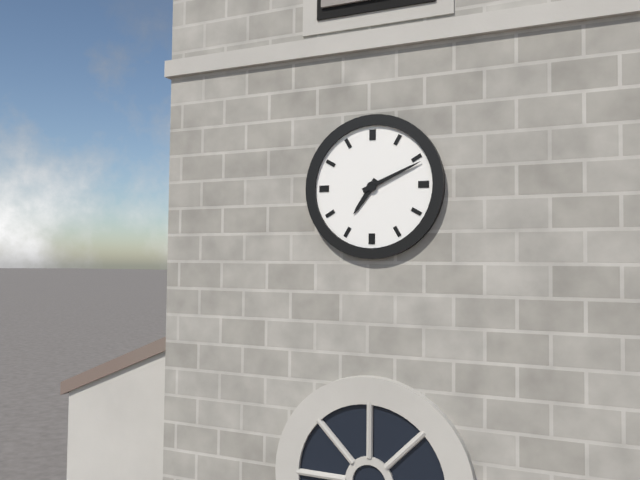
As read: {"hour": 7, "minute": 11}
